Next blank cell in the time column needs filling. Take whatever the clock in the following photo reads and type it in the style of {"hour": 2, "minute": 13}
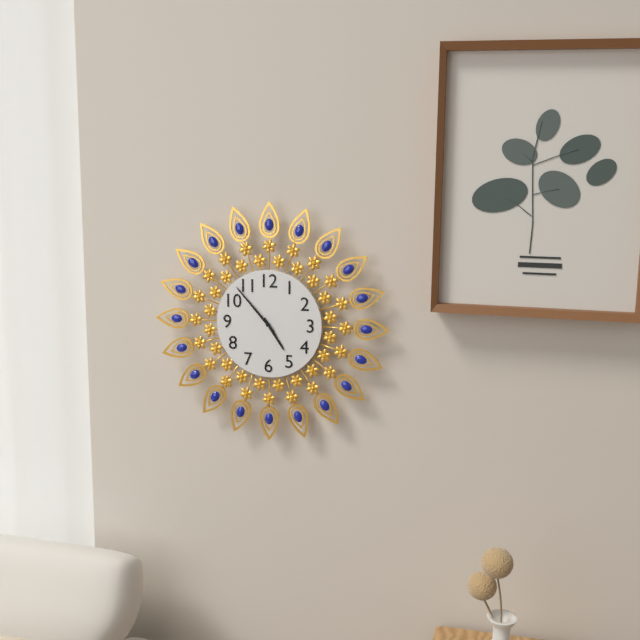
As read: {"hour": 4, "minute": 53}
